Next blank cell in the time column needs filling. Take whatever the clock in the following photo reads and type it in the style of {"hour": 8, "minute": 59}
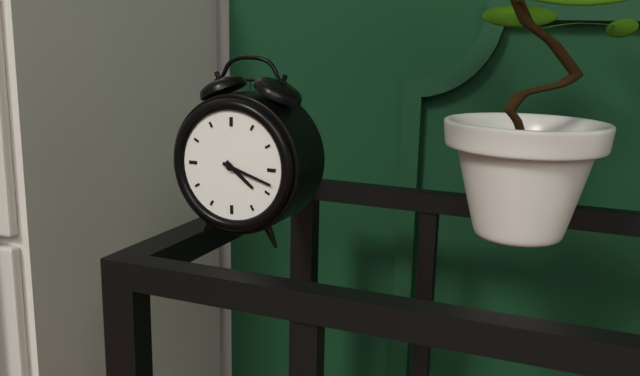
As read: {"hour": 4, "minute": 18}
